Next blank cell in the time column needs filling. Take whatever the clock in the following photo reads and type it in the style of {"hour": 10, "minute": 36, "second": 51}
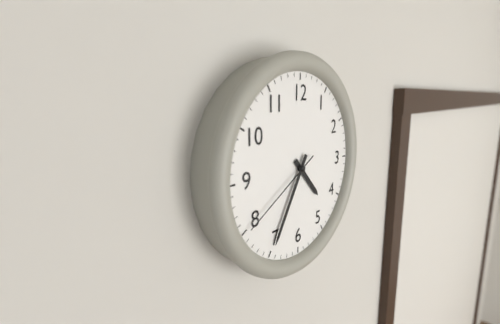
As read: {"hour": 4, "minute": 35, "second": 40}
